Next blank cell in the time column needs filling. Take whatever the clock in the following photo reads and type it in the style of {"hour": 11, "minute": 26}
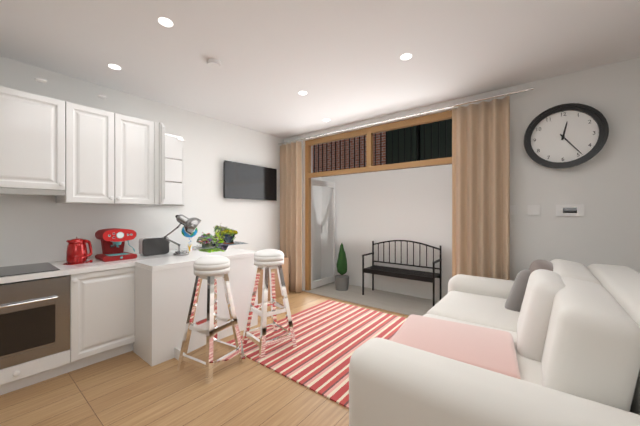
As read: {"hour": 12, "minute": 24}
